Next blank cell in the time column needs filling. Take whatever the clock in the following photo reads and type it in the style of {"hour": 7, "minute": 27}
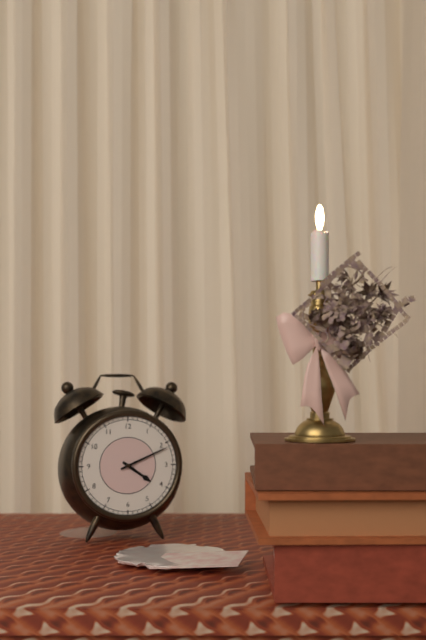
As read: {"hour": 4, "minute": 11}
